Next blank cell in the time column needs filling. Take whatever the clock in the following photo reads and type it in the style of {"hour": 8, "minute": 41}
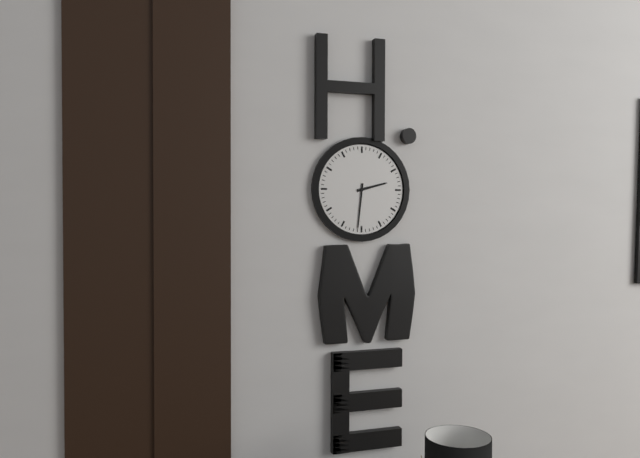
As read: {"hour": 2, "minute": 31}
